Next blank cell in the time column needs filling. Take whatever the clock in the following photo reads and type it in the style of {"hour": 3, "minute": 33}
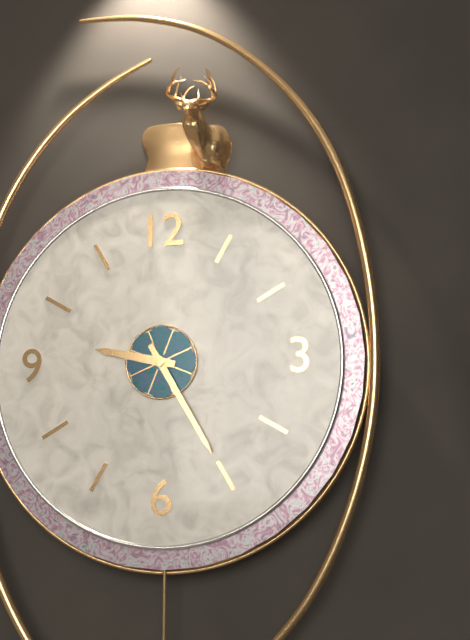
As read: {"hour": 9, "minute": 25}
